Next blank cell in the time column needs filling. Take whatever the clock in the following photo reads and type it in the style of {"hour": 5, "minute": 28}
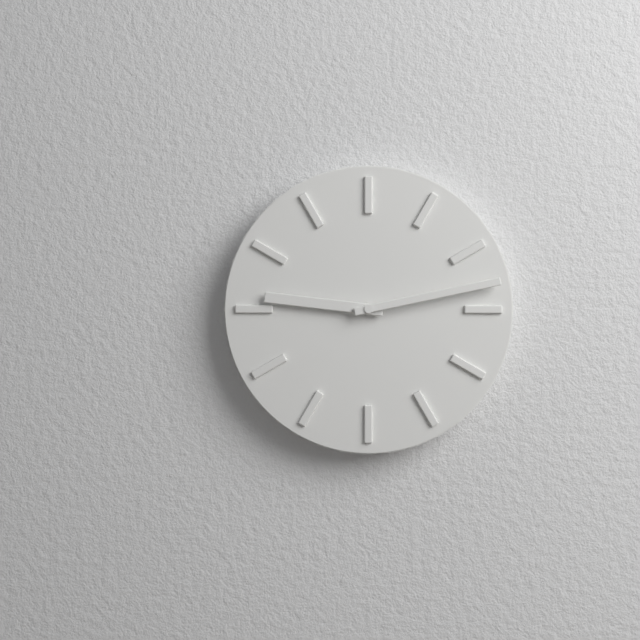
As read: {"hour": 9, "minute": 13}
